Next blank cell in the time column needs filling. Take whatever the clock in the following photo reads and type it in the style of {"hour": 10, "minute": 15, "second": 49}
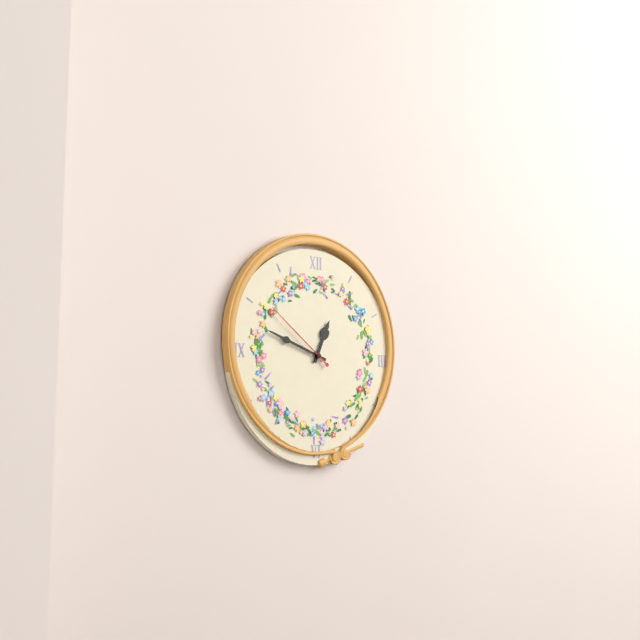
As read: {"hour": 12, "minute": 48, "second": 51}
